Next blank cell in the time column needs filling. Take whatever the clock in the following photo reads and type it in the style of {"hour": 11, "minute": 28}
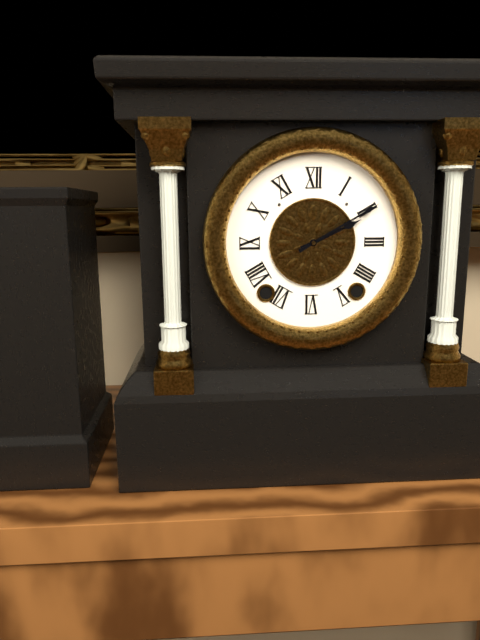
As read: {"hour": 2, "minute": 10}
